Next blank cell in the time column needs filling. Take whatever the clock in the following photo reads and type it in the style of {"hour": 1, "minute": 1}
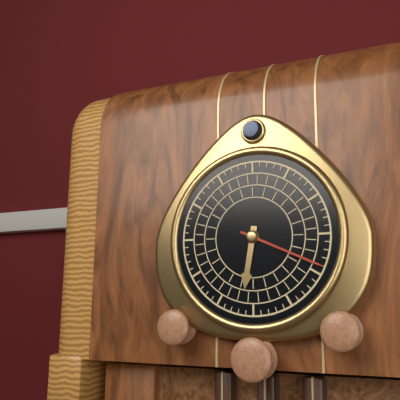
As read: {"hour": 6, "minute": 19}
